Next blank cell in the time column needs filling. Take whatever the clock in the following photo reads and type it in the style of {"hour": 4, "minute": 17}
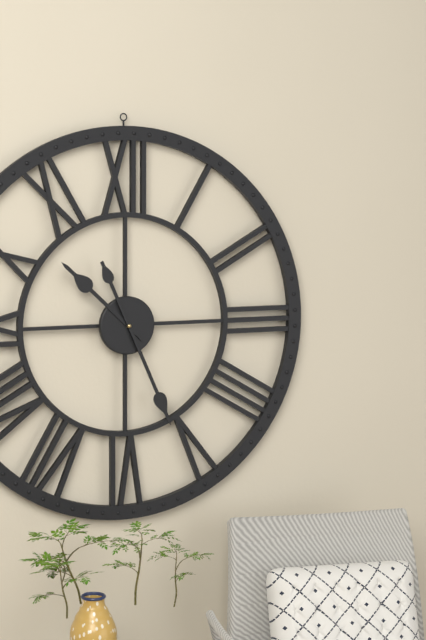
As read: {"hour": 10, "minute": 26}
